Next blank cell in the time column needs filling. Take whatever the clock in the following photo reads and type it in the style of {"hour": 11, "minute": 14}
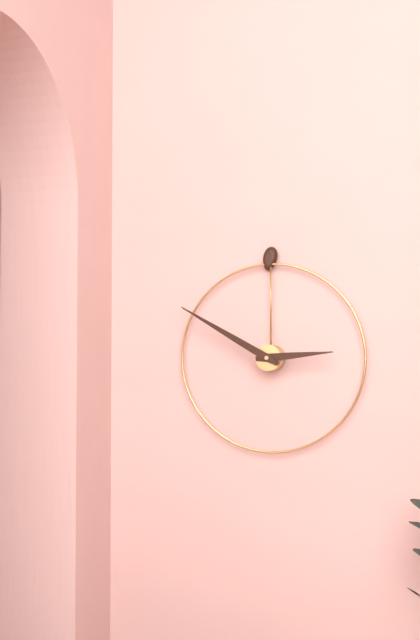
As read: {"hour": 2, "minute": 50}
